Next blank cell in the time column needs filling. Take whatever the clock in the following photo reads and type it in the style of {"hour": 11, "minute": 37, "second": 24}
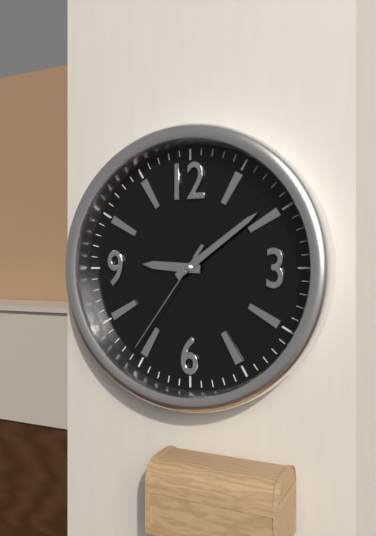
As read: {"hour": 9, "minute": 9, "second": 36}
